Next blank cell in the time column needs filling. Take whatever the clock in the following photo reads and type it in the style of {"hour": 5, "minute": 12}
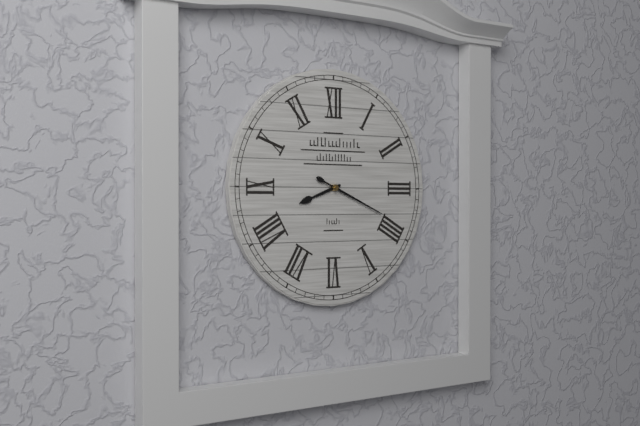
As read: {"hour": 8, "minute": 19}
